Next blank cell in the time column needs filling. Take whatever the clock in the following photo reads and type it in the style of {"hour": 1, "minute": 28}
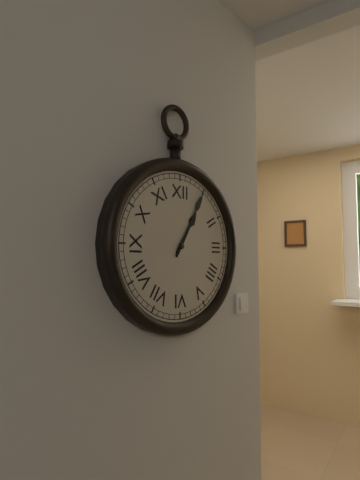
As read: {"hour": 1, "minute": 5}
